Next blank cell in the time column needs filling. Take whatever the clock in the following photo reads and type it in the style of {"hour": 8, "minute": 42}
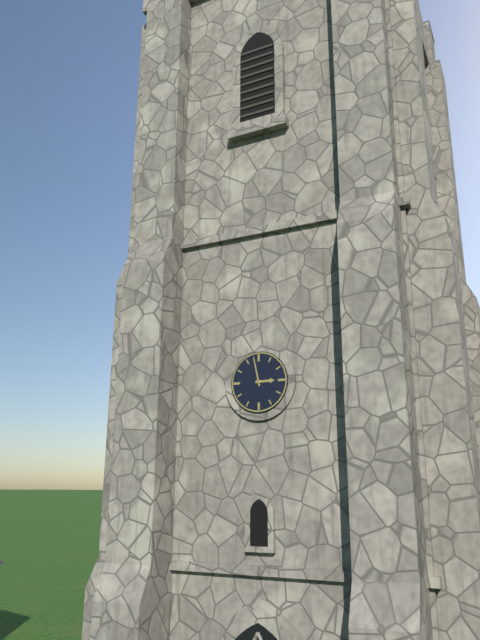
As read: {"hour": 2, "minute": 58}
